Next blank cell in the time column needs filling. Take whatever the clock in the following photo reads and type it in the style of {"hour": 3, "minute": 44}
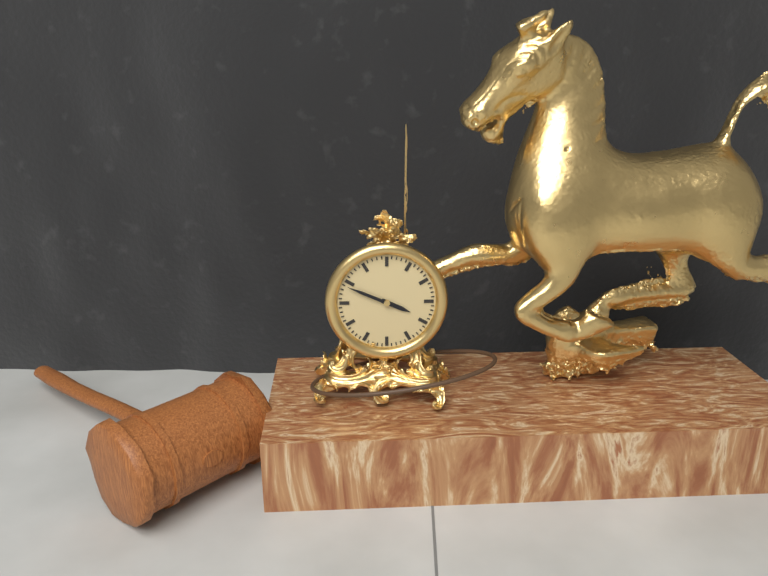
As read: {"hour": 3, "minute": 49}
